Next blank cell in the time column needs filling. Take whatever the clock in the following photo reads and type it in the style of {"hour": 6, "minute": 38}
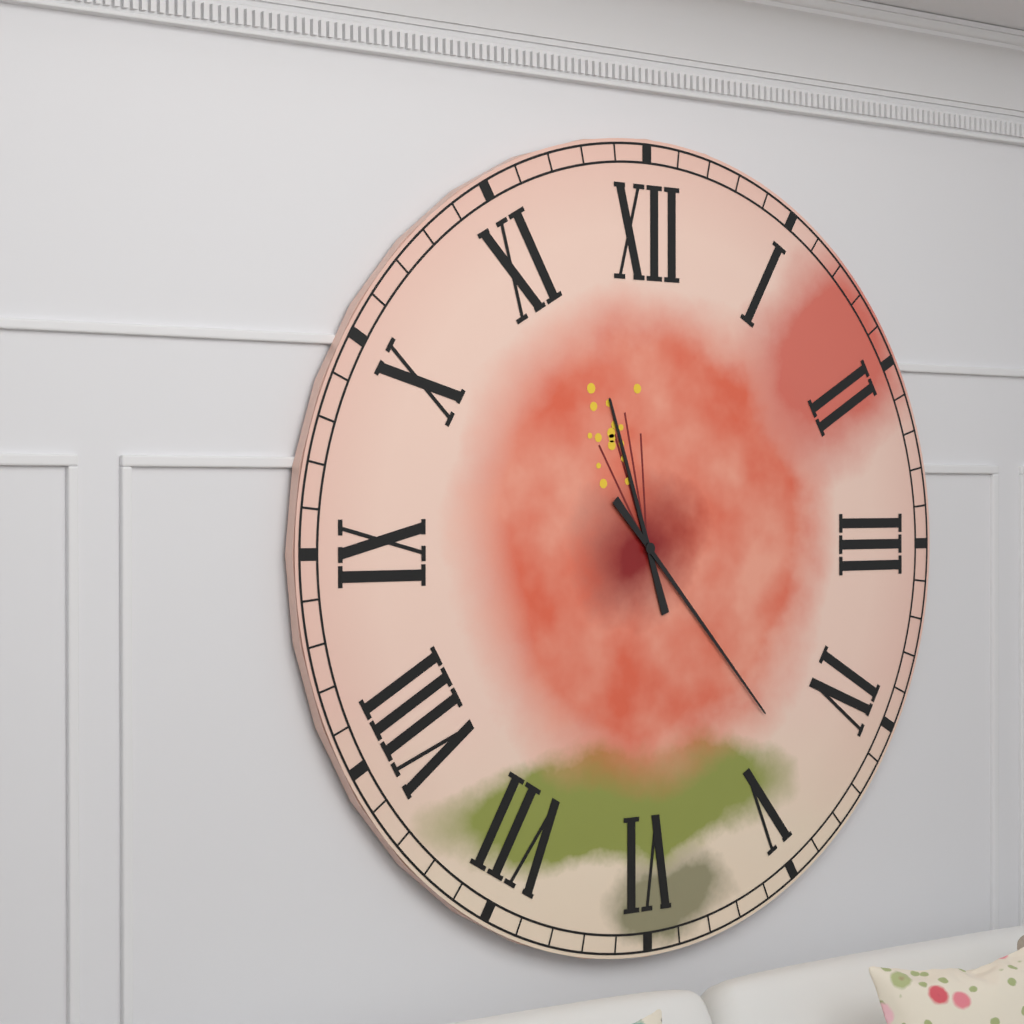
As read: {"hour": 11, "minute": 23}
